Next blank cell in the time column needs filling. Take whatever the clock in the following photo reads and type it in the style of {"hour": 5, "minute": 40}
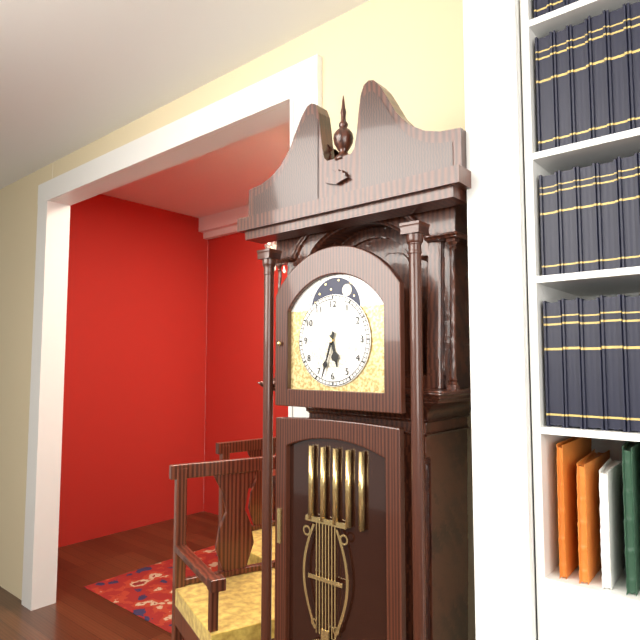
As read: {"hour": 5, "minute": 33}
